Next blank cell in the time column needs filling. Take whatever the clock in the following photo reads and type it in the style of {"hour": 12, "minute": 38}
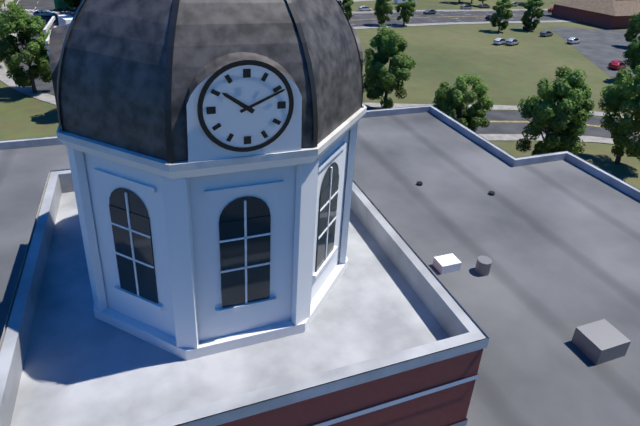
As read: {"hour": 10, "minute": 11}
